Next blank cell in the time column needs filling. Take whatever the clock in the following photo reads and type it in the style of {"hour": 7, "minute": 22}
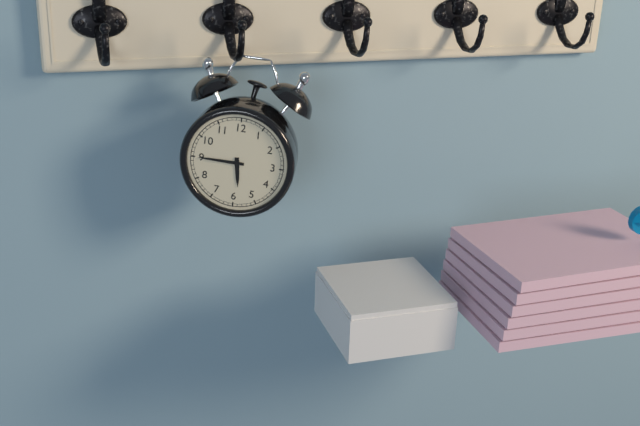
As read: {"hour": 5, "minute": 45}
